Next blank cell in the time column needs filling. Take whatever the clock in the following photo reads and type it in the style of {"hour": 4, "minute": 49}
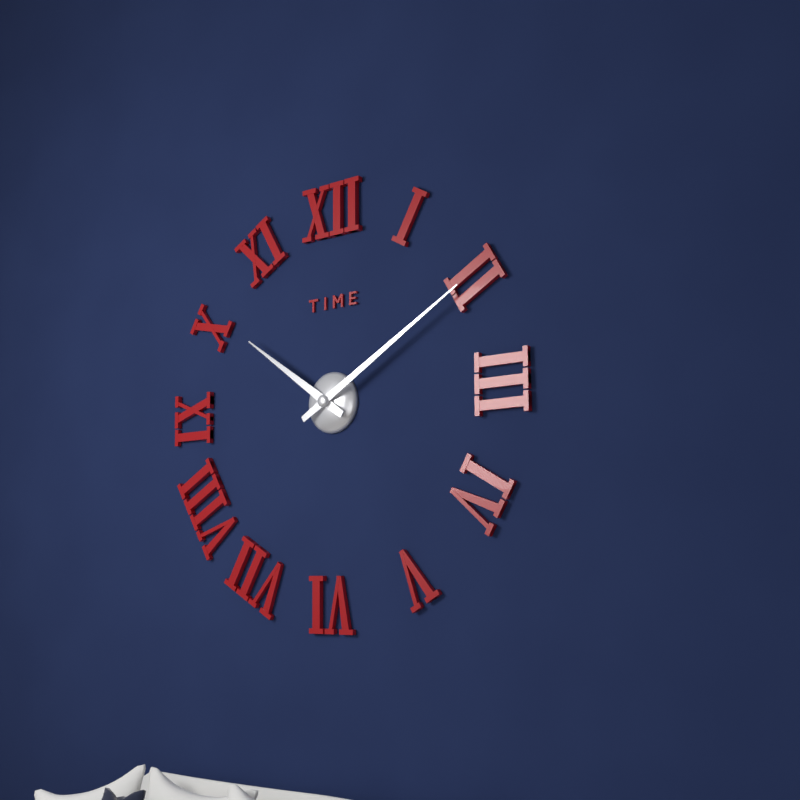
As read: {"hour": 10, "minute": 10}
